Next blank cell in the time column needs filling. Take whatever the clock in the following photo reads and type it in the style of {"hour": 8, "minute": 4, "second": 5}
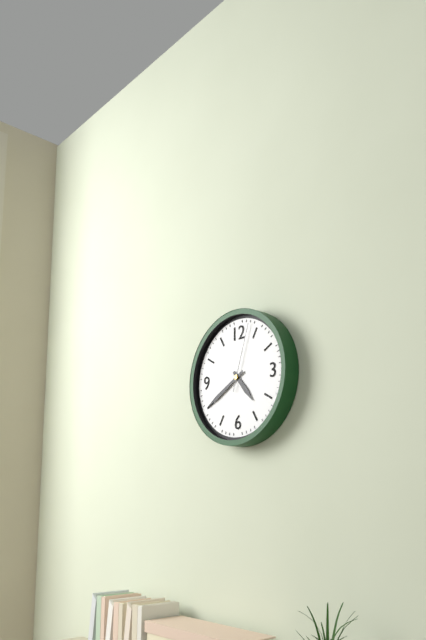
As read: {"hour": 4, "minute": 40, "second": 3}
